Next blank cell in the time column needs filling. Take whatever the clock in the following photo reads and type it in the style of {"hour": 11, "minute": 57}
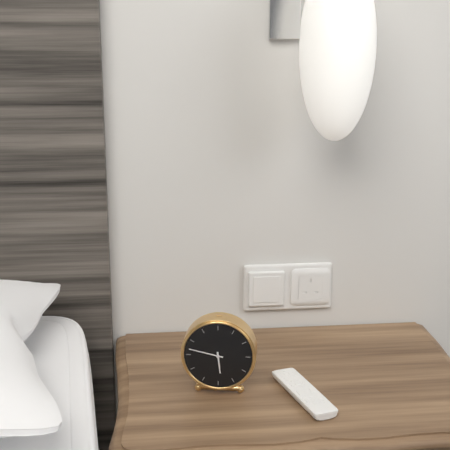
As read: {"hour": 5, "minute": 47}
